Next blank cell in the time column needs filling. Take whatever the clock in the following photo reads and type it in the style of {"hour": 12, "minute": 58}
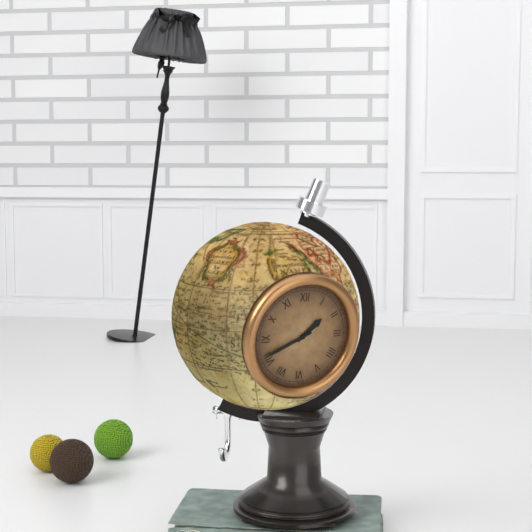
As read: {"hour": 1, "minute": 41}
